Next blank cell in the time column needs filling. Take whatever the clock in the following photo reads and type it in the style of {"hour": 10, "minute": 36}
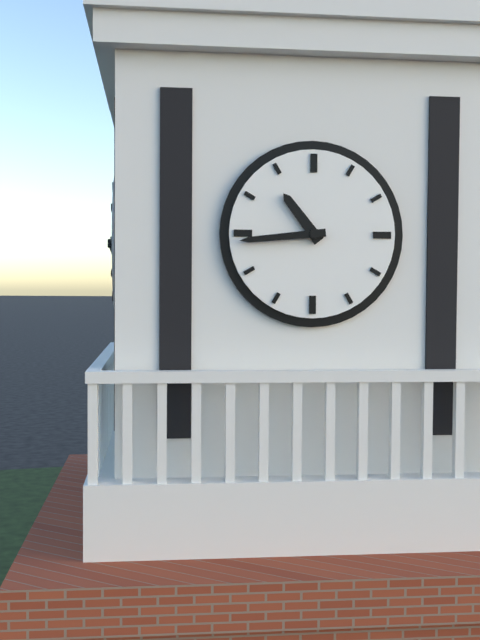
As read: {"hour": 10, "minute": 44}
